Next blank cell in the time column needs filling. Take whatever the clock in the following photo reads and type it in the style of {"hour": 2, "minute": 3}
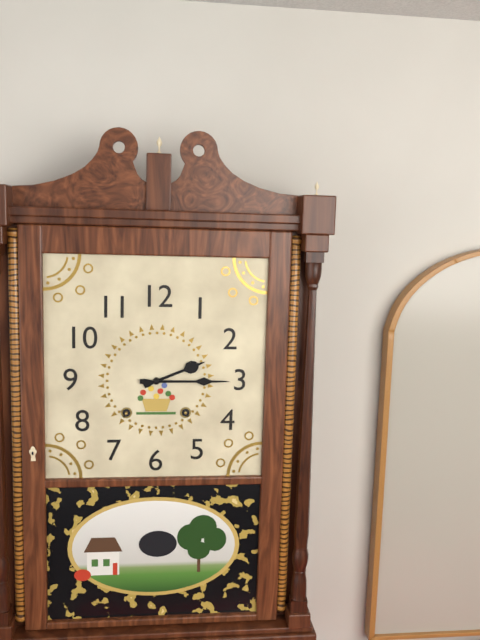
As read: {"hour": 2, "minute": 15}
